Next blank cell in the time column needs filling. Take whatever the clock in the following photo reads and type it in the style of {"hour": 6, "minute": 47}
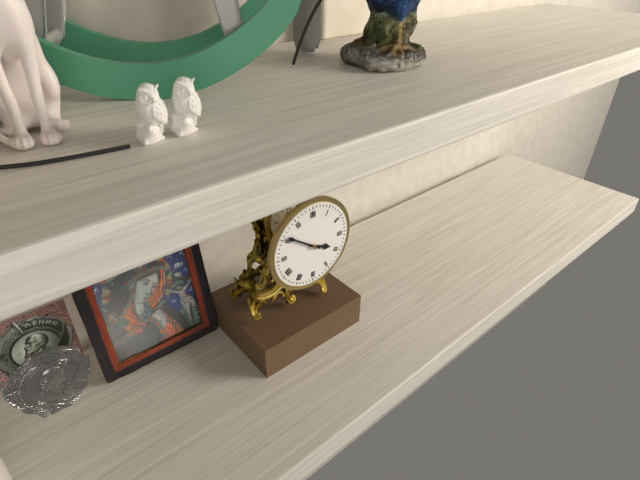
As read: {"hour": 3, "minute": 51}
